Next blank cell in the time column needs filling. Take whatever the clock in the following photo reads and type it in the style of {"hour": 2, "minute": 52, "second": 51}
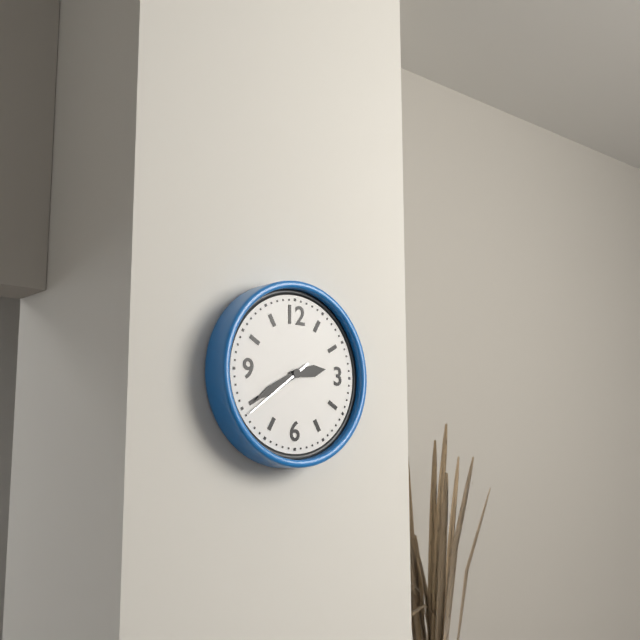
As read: {"hour": 2, "minute": 40, "second": 39}
